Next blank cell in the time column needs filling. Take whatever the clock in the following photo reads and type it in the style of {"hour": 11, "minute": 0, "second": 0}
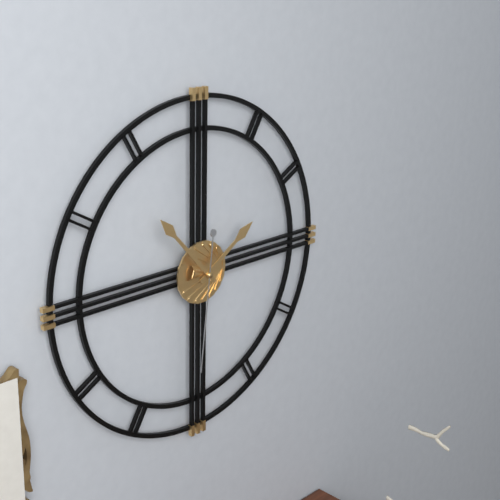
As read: {"hour": 1, "minute": 53, "second": 31}
